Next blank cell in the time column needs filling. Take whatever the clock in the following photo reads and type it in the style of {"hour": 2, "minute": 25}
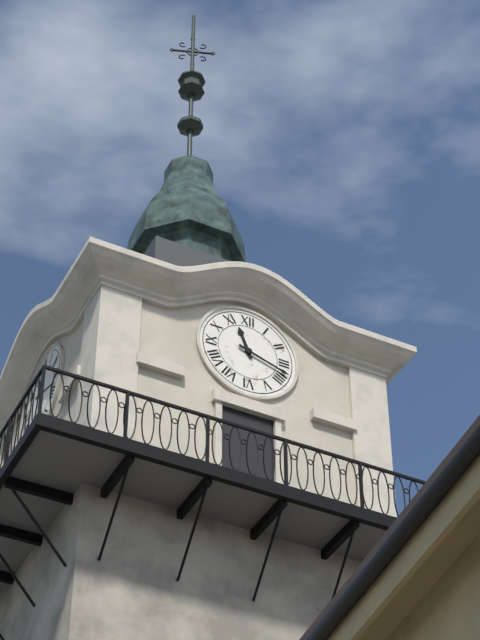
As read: {"hour": 11, "minute": 18}
